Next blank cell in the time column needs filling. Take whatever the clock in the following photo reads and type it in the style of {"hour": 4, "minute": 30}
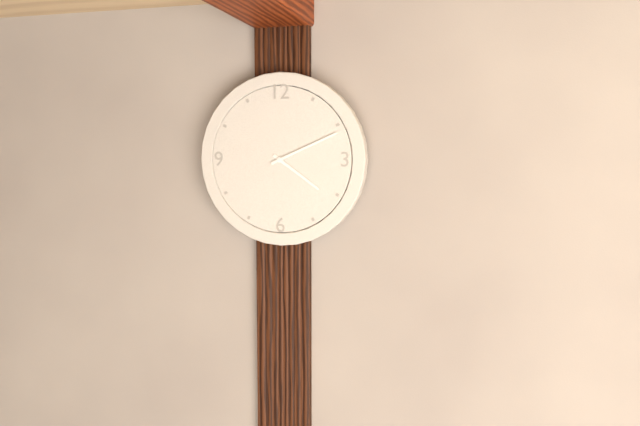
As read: {"hour": 4, "minute": 11}
